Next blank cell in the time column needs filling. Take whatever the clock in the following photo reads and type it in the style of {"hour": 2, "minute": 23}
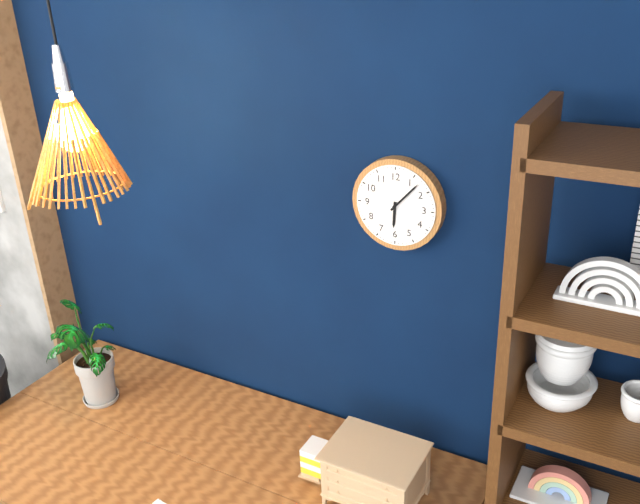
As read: {"hour": 6, "minute": 7}
